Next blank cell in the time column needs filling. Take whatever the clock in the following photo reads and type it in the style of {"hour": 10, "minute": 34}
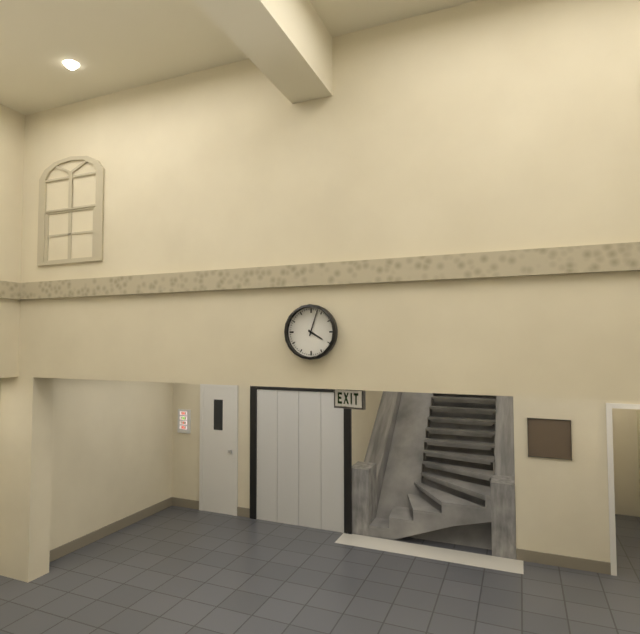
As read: {"hour": 4, "minute": 3}
